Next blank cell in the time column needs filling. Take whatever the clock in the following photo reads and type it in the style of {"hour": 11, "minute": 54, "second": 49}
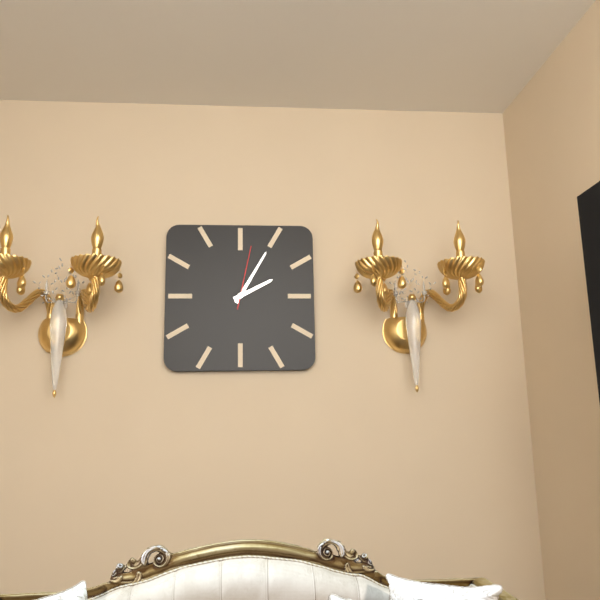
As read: {"hour": 2, "minute": 5, "second": 2}
